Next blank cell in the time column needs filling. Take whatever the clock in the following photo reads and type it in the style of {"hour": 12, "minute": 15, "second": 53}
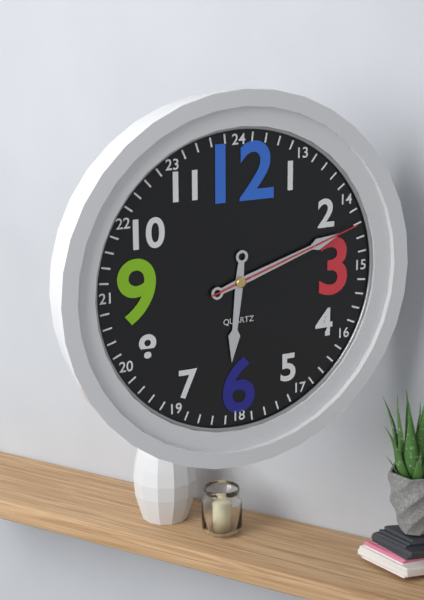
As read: {"hour": 6, "minute": 12, "second": 12}
